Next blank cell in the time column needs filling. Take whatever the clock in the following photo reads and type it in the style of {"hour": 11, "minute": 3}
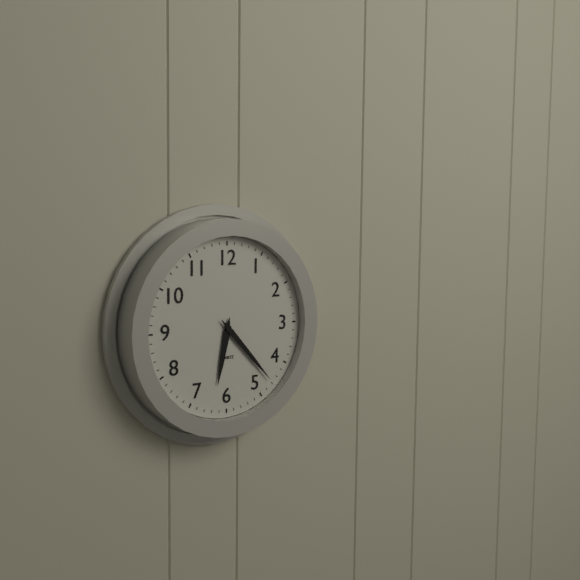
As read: {"hour": 6, "minute": 23}
